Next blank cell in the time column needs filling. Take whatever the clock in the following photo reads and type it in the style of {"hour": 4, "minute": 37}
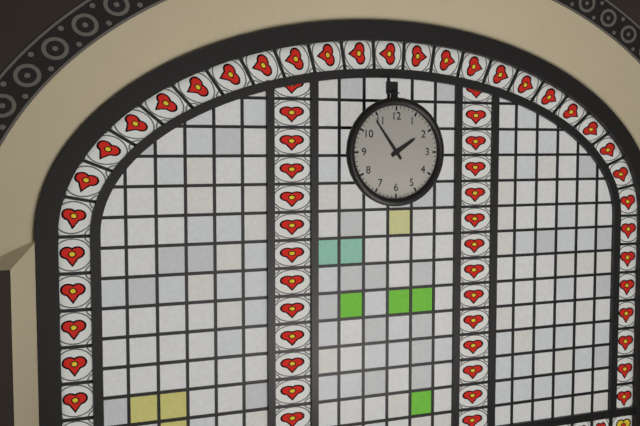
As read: {"hour": 1, "minute": 54}
